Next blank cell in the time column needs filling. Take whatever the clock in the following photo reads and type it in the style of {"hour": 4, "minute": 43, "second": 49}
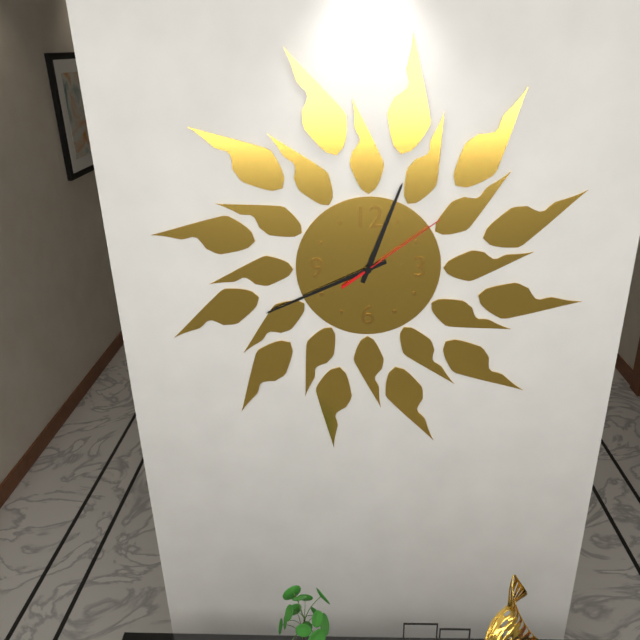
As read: {"hour": 12, "minute": 41, "second": 9}
